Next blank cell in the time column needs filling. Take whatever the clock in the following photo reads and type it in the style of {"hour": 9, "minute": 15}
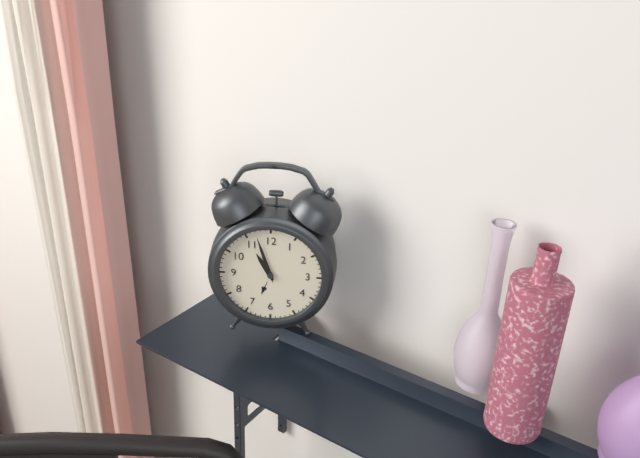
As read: {"hour": 10, "minute": 57}
